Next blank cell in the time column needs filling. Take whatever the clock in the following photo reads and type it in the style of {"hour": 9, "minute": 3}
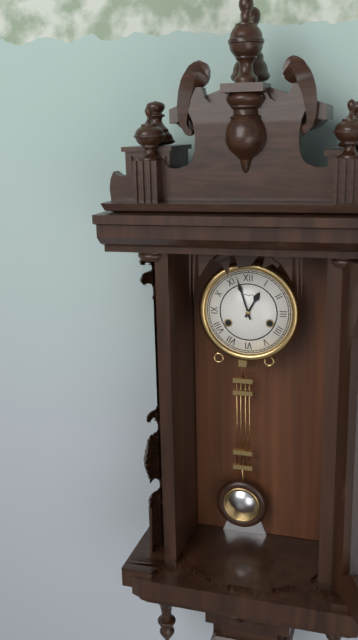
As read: {"hour": 12, "minute": 57}
